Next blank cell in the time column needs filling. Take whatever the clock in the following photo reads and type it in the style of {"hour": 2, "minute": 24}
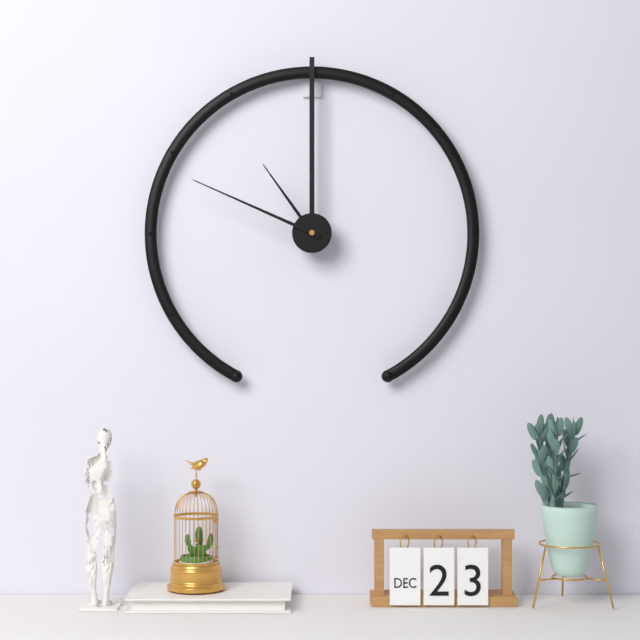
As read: {"hour": 10, "minute": 49}
